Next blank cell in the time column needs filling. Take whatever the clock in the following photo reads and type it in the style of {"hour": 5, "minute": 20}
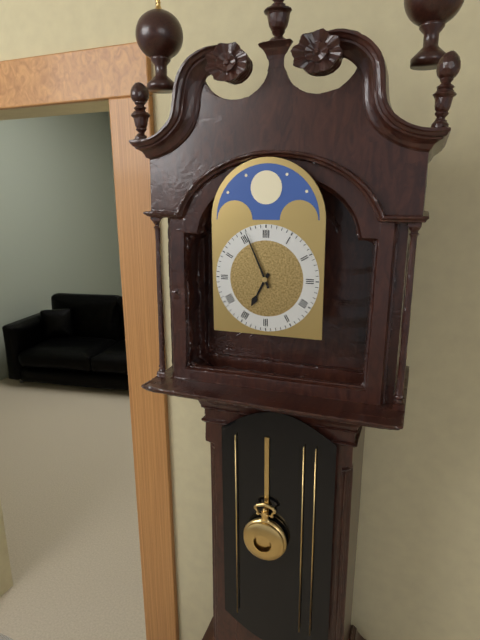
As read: {"hour": 6, "minute": 56}
